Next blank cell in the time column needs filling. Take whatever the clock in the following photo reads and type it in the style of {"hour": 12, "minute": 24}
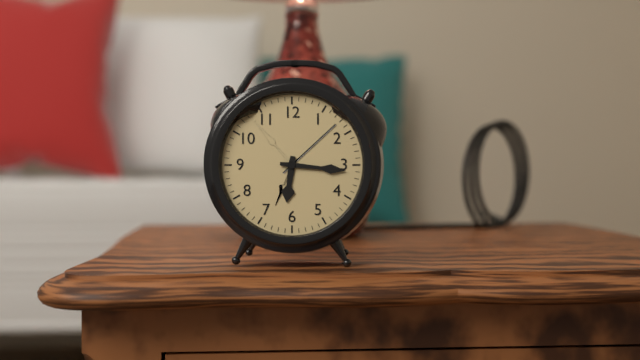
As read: {"hour": 6, "minute": 16}
